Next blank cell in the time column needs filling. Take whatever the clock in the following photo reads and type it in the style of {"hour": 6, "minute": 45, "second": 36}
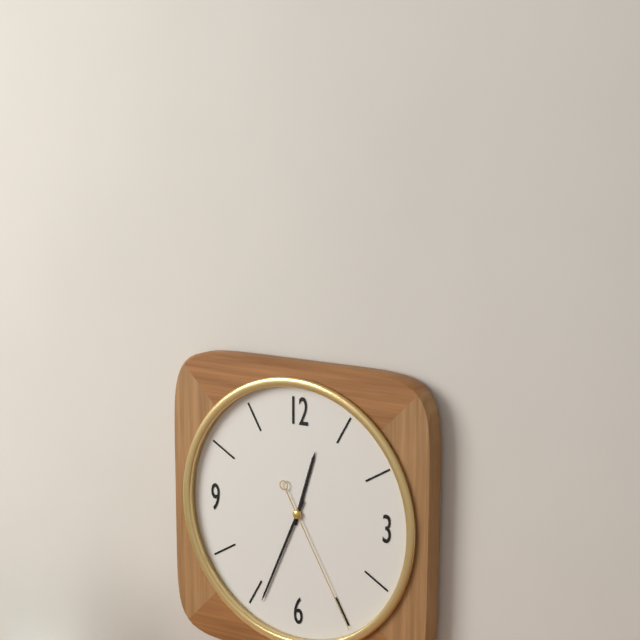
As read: {"hour": 12, "minute": 34, "second": 25}
